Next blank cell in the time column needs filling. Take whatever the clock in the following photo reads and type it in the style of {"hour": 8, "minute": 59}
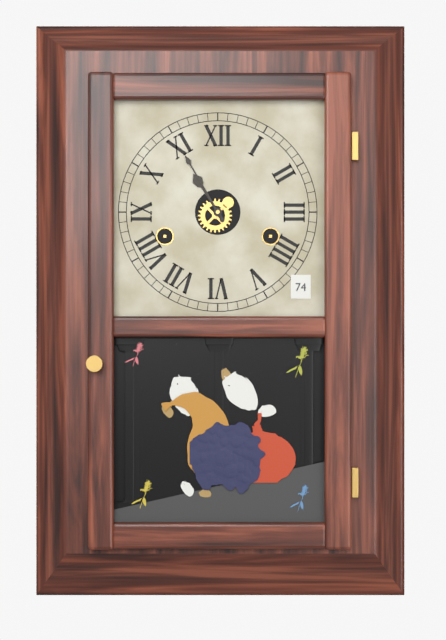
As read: {"hour": 10, "minute": 55}
